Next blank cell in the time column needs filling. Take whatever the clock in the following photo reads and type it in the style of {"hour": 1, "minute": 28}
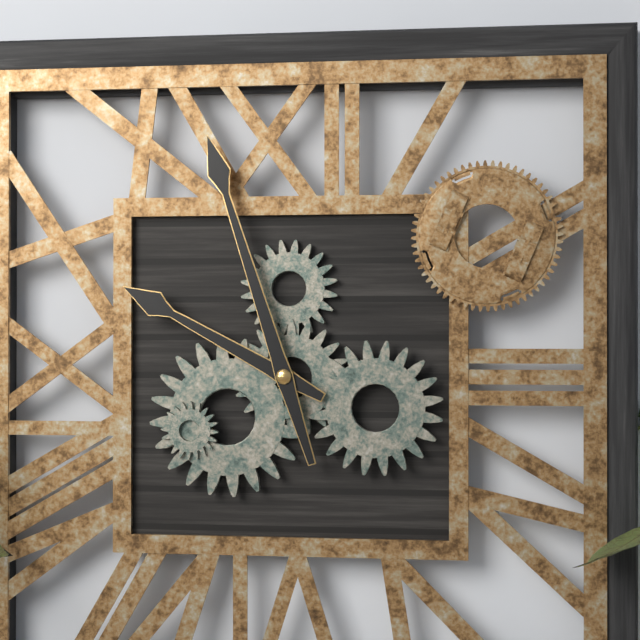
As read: {"hour": 9, "minute": 57}
